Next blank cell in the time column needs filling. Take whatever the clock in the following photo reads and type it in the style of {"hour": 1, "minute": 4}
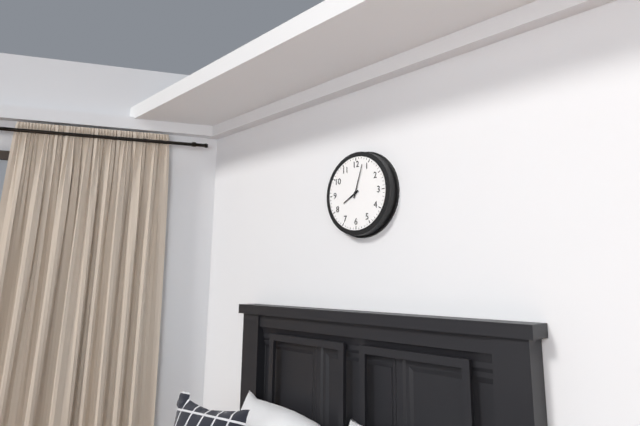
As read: {"hour": 8, "minute": 3}
